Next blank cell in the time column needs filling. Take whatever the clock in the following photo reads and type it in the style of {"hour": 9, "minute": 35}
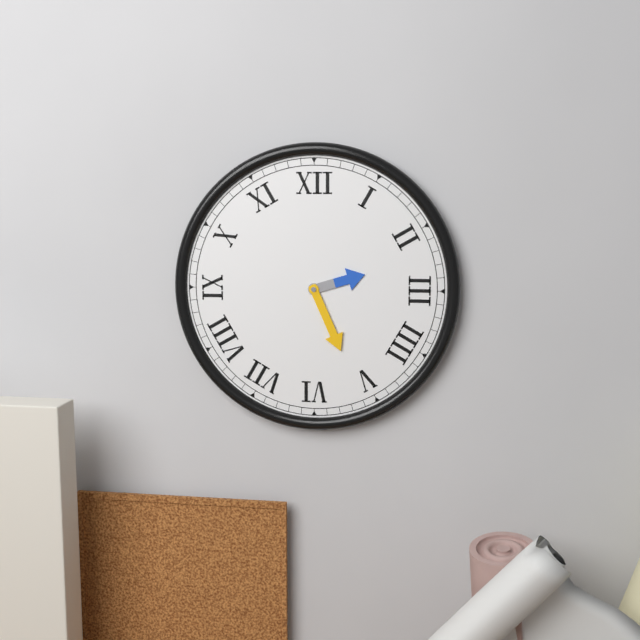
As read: {"hour": 2, "minute": 26}
